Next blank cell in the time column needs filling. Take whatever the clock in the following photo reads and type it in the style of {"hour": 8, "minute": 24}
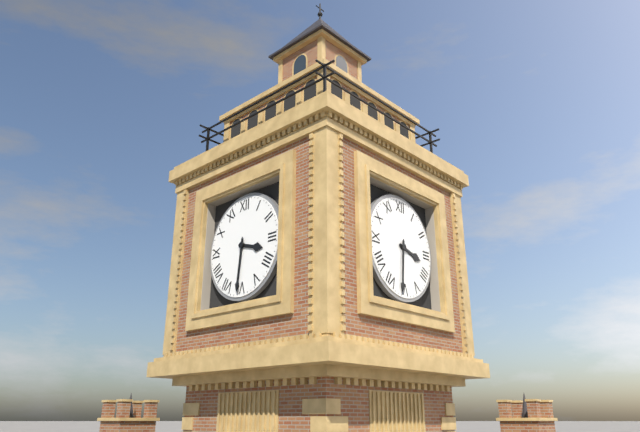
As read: {"hour": 3, "minute": 31}
